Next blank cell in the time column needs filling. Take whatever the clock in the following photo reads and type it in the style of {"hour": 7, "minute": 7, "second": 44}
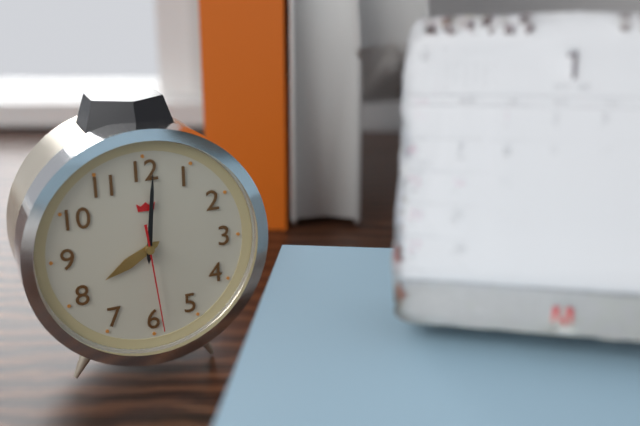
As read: {"hour": 8, "minute": 1, "second": 29}
